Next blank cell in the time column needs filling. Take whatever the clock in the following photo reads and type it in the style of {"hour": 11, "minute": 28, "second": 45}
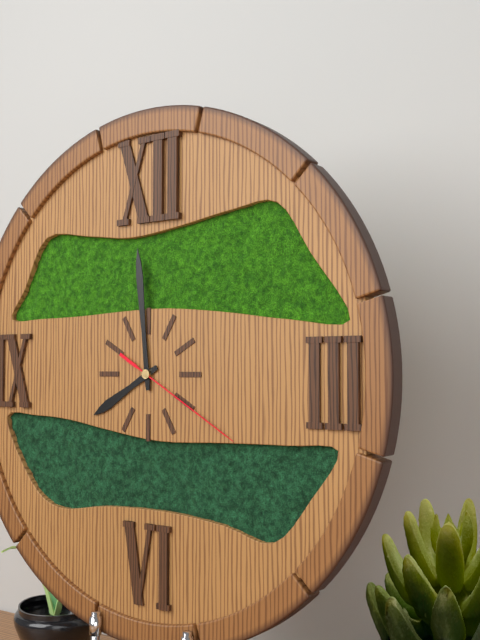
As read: {"hour": 7, "minute": 59, "second": 20}
